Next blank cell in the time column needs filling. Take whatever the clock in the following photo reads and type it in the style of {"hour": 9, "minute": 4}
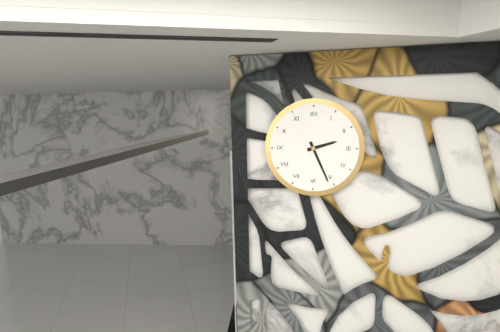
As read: {"hour": 2, "minute": 26}
